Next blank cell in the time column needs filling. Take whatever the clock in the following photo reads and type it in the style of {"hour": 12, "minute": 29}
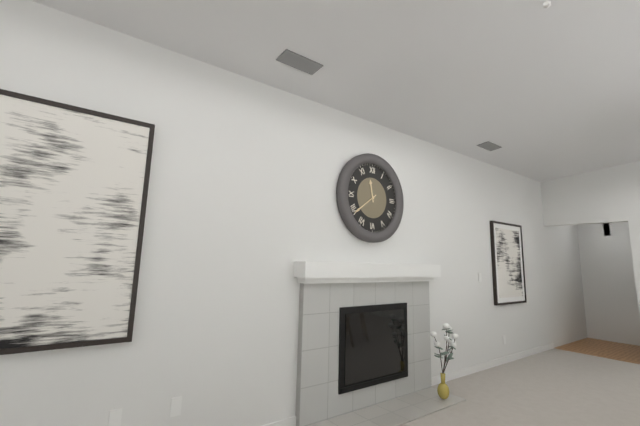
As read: {"hour": 11, "minute": 39}
